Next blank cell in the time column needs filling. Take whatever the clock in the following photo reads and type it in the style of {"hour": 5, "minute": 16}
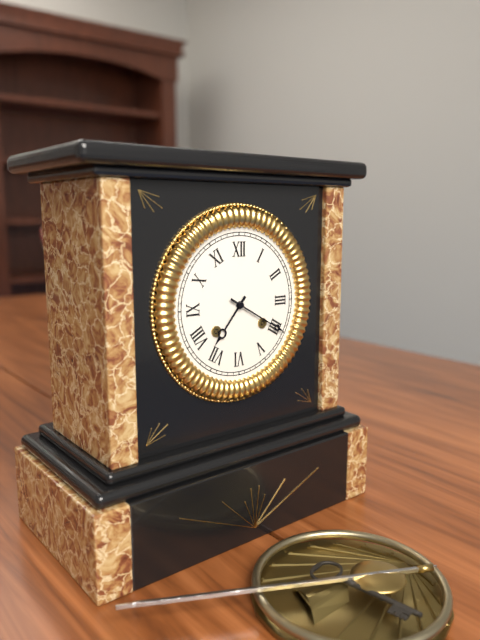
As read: {"hour": 7, "minute": 20}
